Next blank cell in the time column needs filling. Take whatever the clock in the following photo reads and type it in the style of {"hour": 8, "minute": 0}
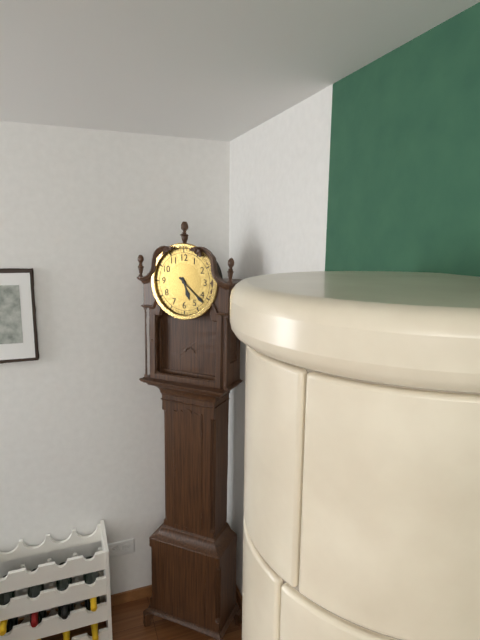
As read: {"hour": 5, "minute": 22}
